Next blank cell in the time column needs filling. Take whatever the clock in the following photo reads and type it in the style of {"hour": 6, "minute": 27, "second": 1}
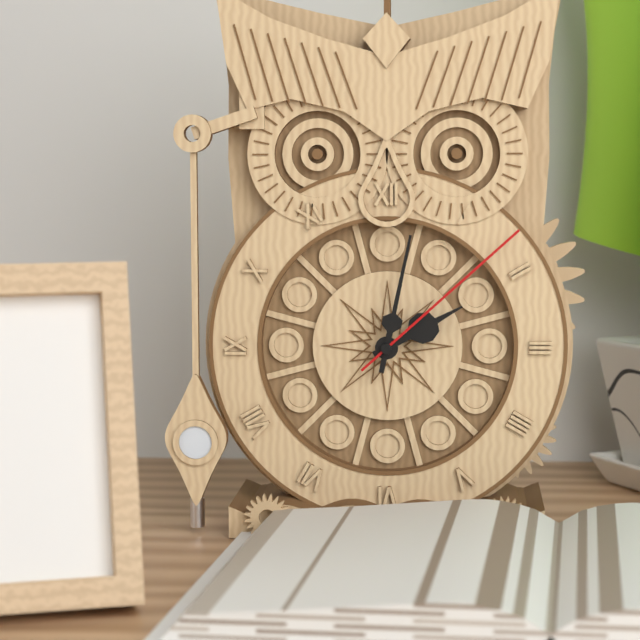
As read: {"hour": 2, "minute": 2, "second": 8}
